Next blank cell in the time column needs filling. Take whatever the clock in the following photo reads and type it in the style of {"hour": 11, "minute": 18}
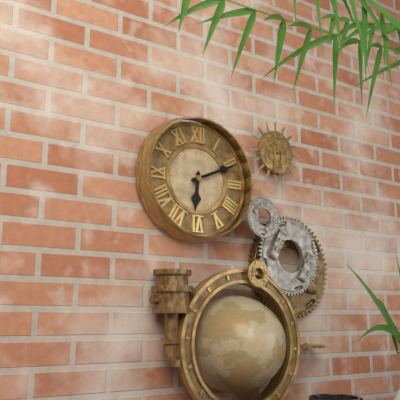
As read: {"hour": 6, "minute": 11}
